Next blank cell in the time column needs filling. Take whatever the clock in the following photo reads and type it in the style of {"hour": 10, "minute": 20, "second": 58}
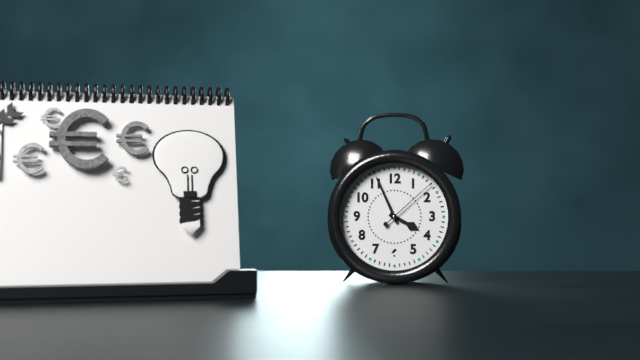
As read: {"hour": 3, "minute": 56, "second": 8}
